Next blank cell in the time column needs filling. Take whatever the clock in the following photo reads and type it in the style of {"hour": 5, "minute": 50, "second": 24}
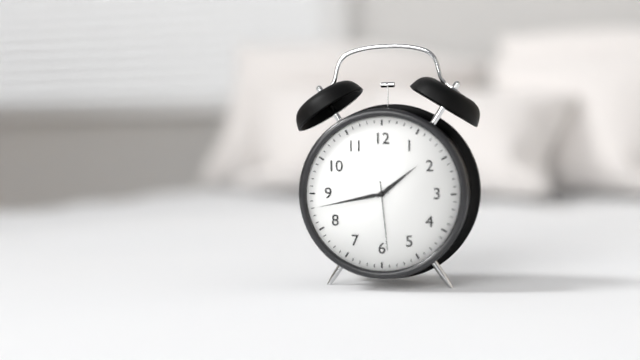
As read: {"hour": 1, "minute": 43, "second": 29}
